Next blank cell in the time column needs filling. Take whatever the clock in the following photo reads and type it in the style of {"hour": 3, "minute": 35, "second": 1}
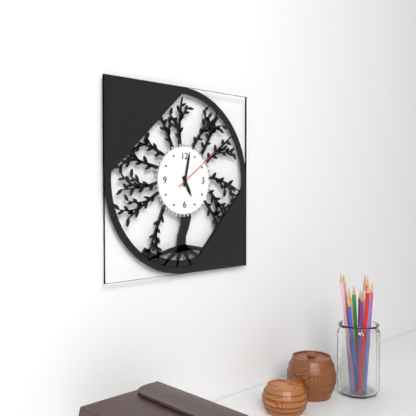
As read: {"hour": 5, "minute": 2, "second": 9}
